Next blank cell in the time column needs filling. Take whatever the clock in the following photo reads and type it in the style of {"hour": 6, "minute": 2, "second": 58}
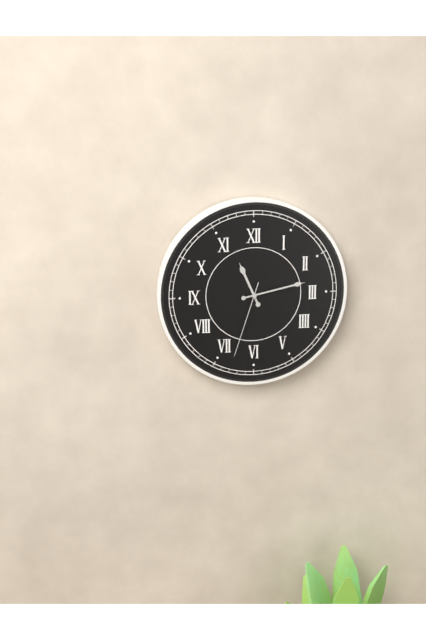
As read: {"hour": 11, "minute": 13, "second": 33}
